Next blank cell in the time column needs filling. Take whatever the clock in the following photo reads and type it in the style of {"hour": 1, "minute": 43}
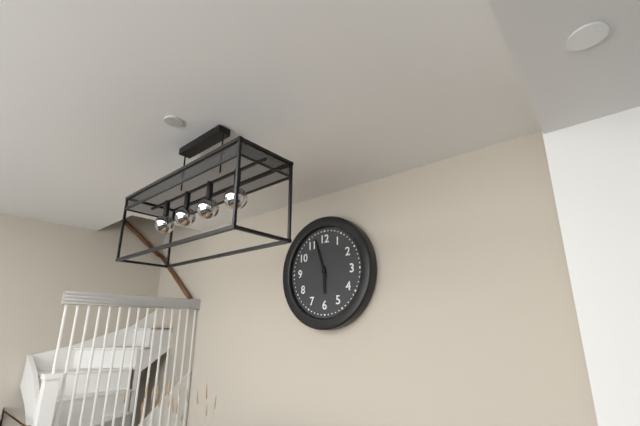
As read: {"hour": 5, "minute": 57}
